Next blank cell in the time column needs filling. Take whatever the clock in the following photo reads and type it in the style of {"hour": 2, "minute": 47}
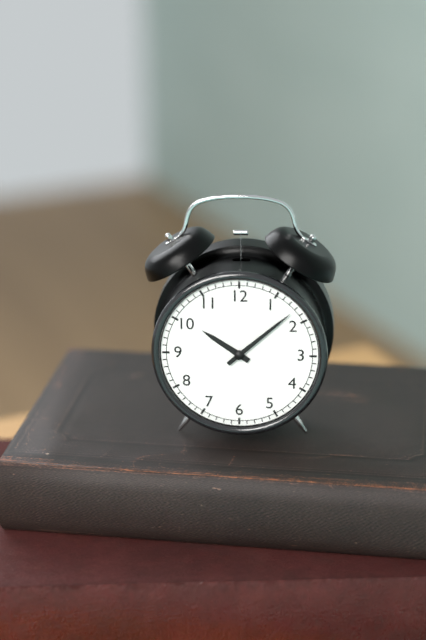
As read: {"hour": 10, "minute": 8}
